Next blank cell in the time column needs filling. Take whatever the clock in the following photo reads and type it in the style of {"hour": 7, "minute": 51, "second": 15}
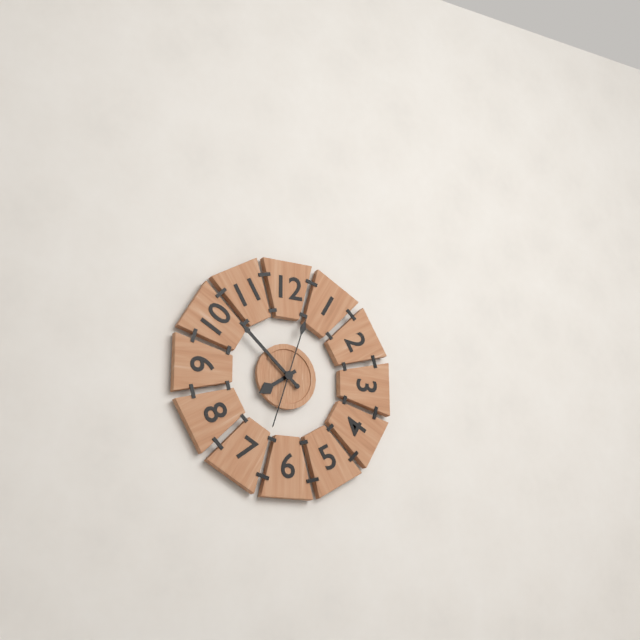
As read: {"hour": 7, "minute": 52, "second": 3}
